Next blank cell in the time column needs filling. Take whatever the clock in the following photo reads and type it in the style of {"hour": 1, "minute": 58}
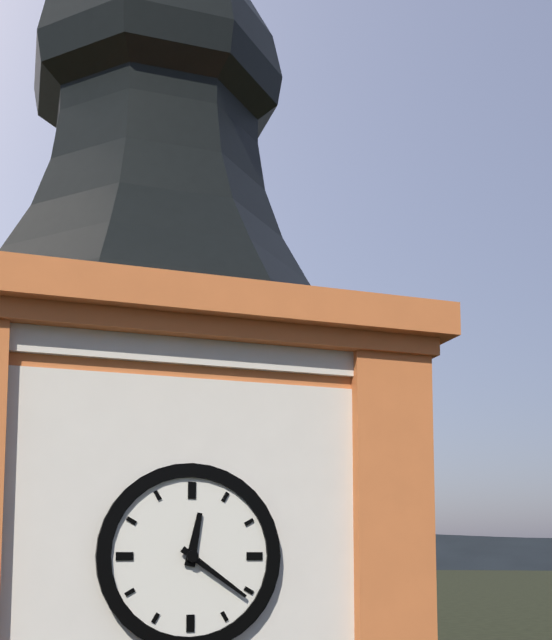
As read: {"hour": 12, "minute": 21}
